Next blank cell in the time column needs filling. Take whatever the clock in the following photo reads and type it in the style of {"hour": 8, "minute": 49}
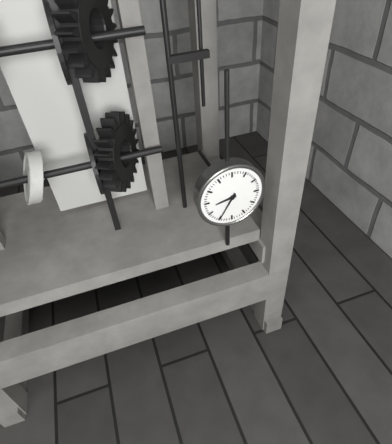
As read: {"hour": 8, "minute": 35}
